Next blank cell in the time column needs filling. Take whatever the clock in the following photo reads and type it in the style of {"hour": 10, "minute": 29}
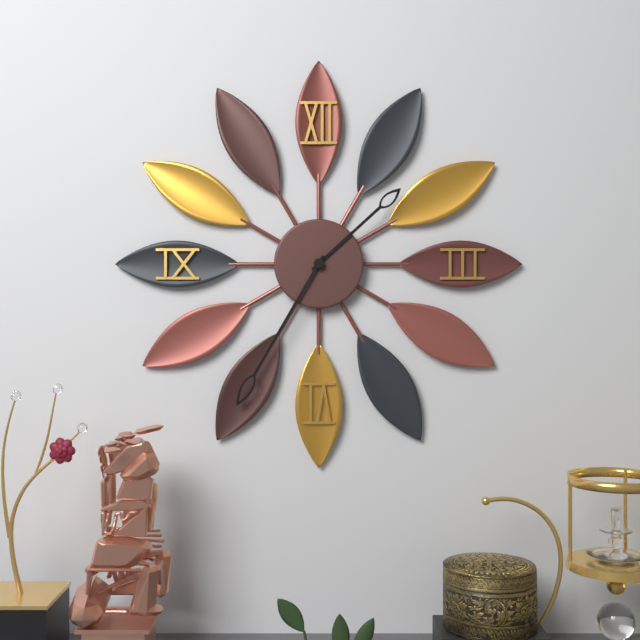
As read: {"hour": 1, "minute": 35}
